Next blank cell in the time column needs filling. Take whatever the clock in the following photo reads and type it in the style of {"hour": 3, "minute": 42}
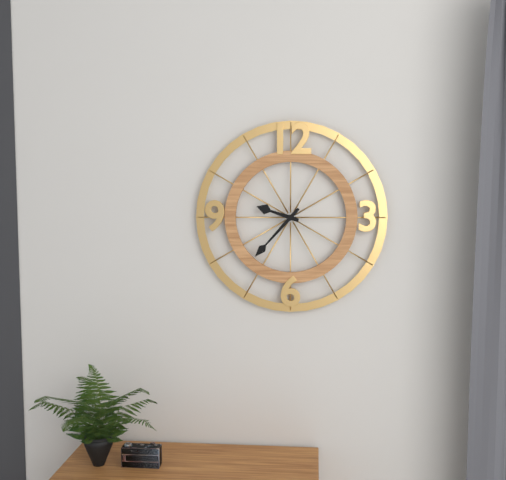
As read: {"hour": 9, "minute": 37}
